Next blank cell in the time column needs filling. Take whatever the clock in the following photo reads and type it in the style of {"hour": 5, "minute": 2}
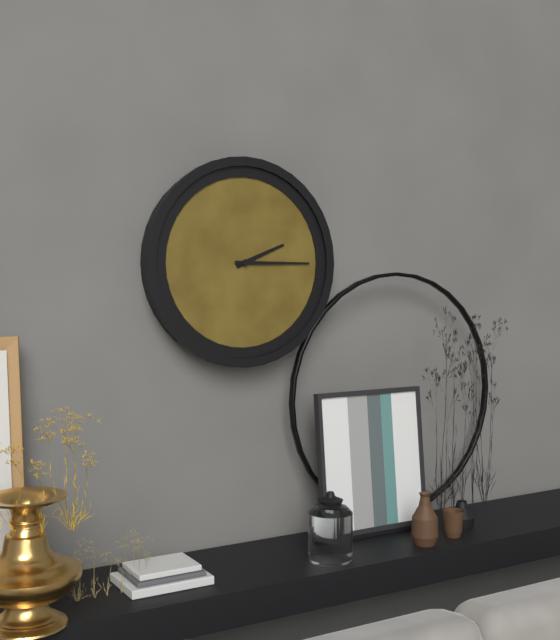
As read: {"hour": 2, "minute": 15}
